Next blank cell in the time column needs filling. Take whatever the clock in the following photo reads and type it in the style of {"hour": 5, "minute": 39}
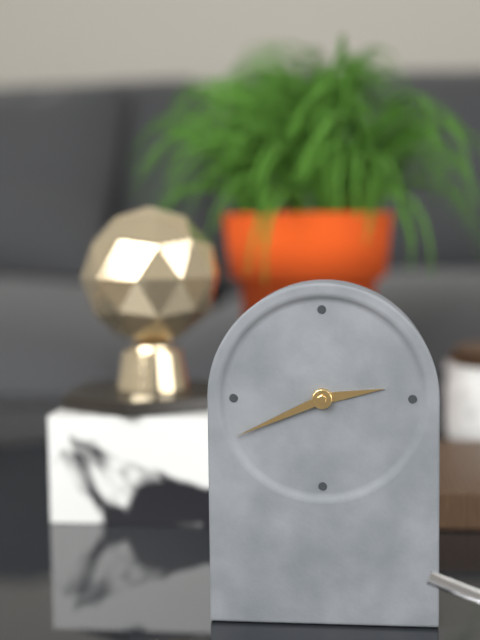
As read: {"hour": 2, "minute": 41}
